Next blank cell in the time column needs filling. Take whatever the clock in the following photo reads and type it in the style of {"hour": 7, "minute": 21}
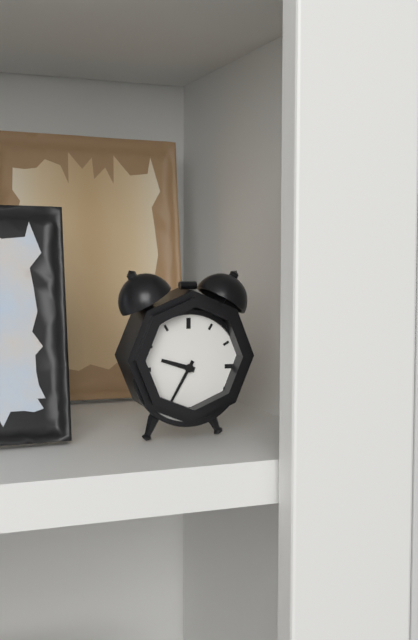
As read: {"hour": 9, "minute": 35}
